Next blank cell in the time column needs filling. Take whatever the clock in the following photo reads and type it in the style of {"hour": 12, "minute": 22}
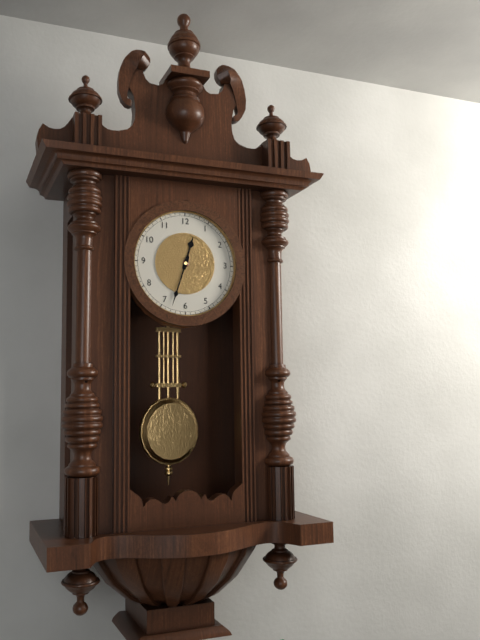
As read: {"hour": 12, "minute": 33}
